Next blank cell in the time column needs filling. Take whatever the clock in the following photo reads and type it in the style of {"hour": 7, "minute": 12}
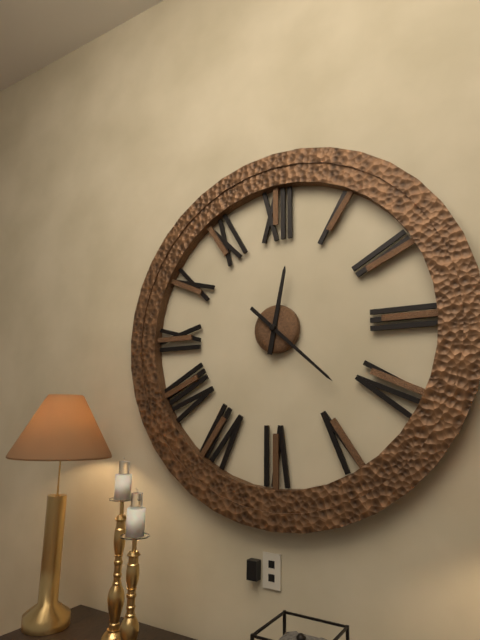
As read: {"hour": 12, "minute": 22}
